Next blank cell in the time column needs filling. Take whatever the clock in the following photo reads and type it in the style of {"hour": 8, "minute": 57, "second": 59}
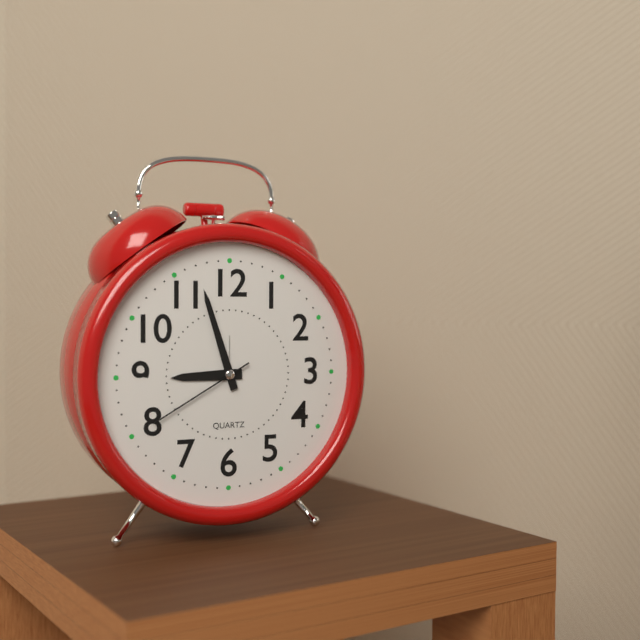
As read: {"hour": 8, "minute": 57, "second": 40}
